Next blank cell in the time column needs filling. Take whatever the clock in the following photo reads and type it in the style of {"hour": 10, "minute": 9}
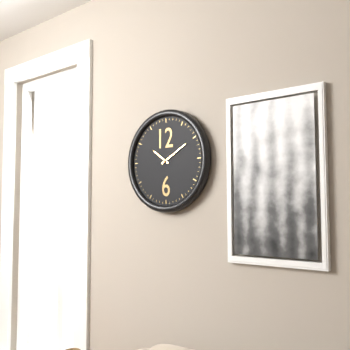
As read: {"hour": 10, "minute": 10}
